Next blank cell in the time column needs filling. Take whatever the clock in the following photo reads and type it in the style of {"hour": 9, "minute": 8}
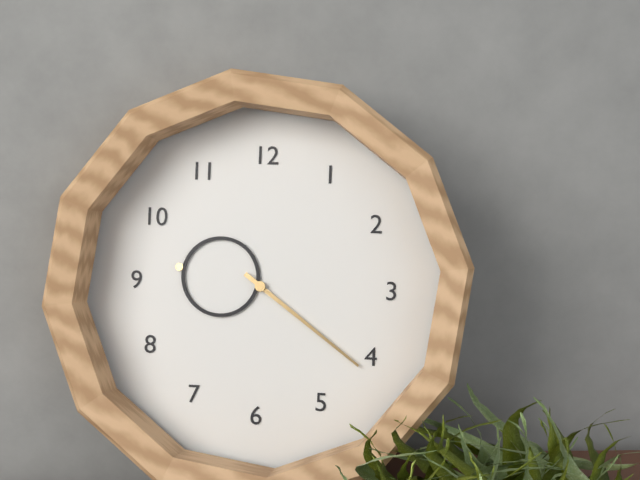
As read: {"hour": 9, "minute": 21}
